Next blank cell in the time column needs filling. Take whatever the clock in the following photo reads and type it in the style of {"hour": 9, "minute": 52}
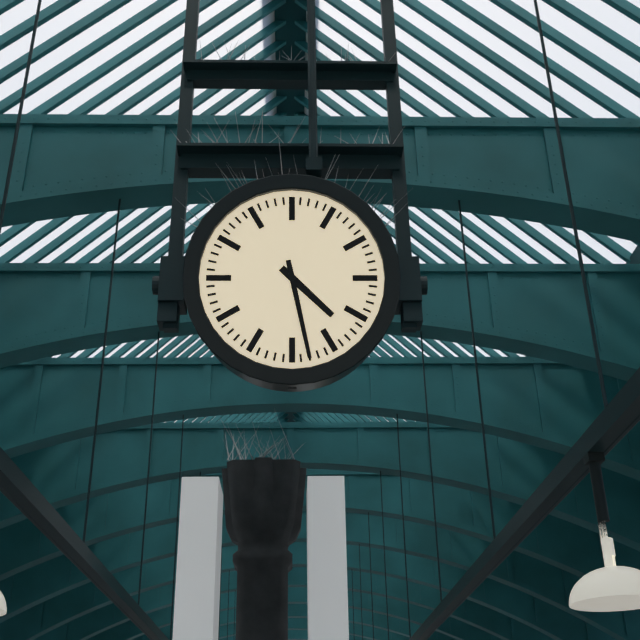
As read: {"hour": 4, "minute": 28}
